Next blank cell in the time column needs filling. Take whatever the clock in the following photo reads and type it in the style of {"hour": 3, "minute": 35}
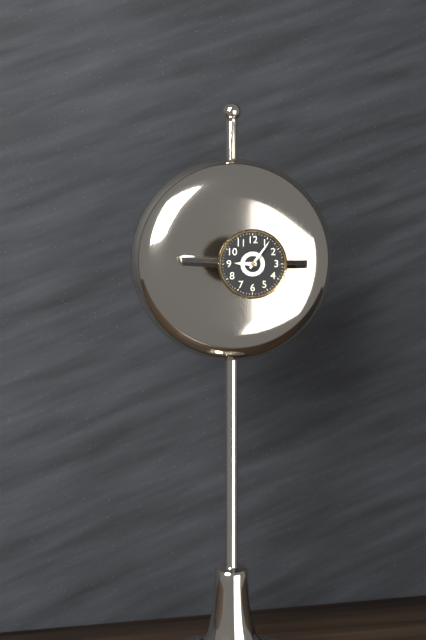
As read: {"hour": 9, "minute": 6}
